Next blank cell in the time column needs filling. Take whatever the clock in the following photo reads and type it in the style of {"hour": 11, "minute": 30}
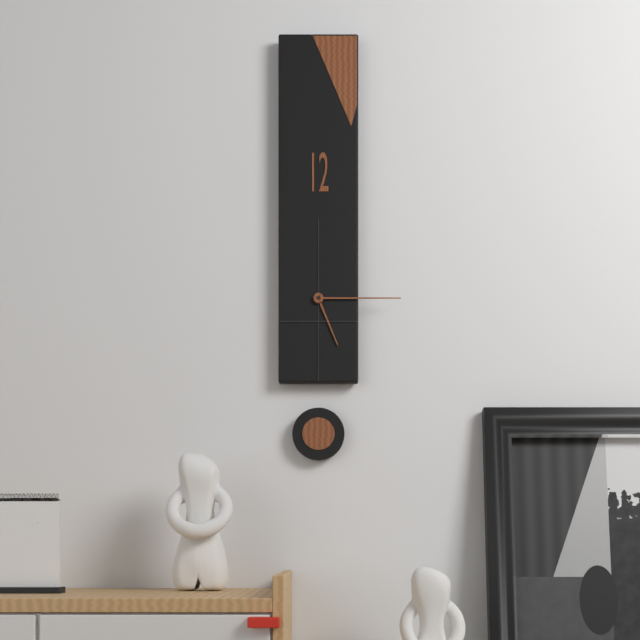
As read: {"hour": 5, "minute": 15}
